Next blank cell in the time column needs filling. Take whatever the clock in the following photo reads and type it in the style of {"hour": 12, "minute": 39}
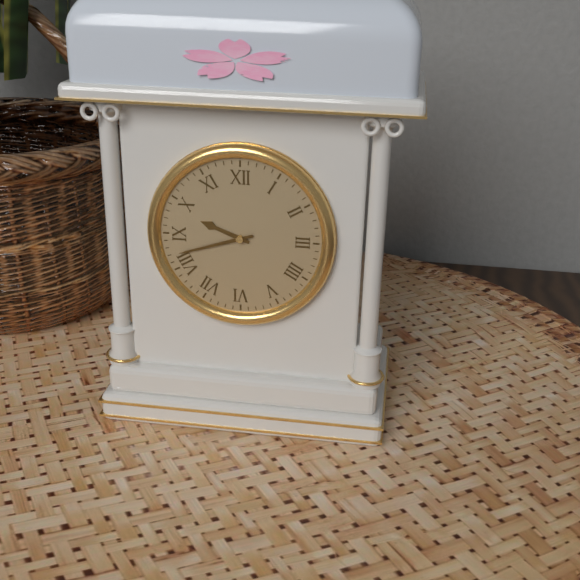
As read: {"hour": 9, "minute": 42}
